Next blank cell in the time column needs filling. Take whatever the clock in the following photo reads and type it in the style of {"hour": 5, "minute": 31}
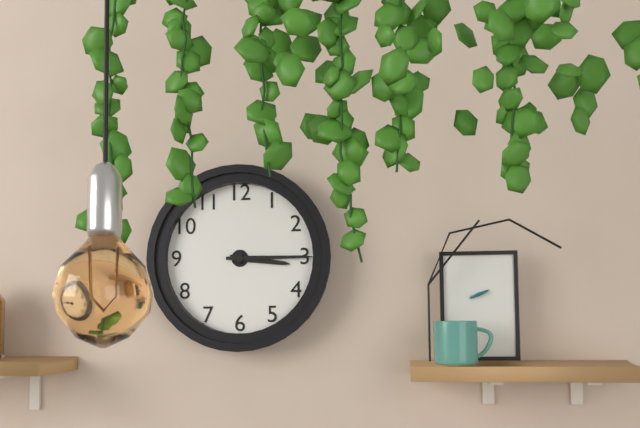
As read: {"hour": 3, "minute": 15}
